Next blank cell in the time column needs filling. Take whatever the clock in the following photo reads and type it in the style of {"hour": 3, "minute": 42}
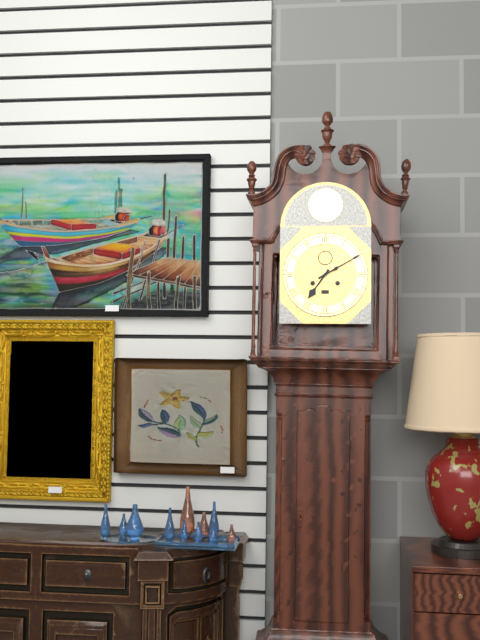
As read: {"hour": 7, "minute": 10}
